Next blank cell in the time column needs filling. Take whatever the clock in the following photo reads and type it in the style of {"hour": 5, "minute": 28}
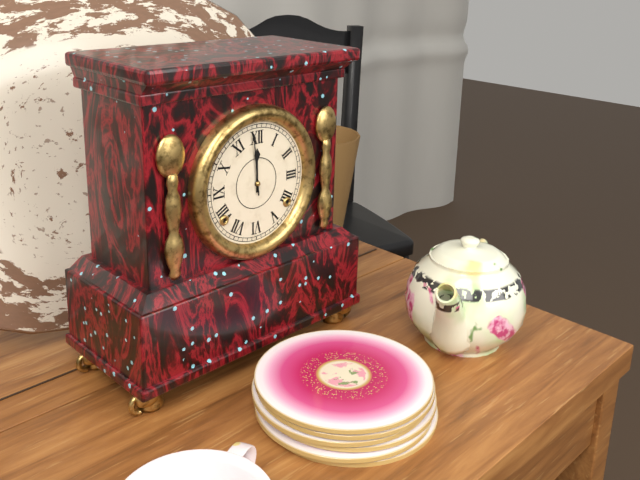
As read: {"hour": 11, "minute": 59}
